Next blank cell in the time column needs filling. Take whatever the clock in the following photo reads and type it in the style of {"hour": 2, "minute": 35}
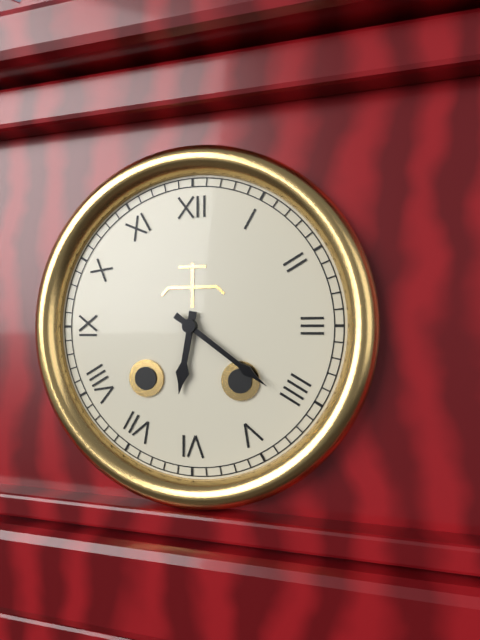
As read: {"hour": 6, "minute": 21}
